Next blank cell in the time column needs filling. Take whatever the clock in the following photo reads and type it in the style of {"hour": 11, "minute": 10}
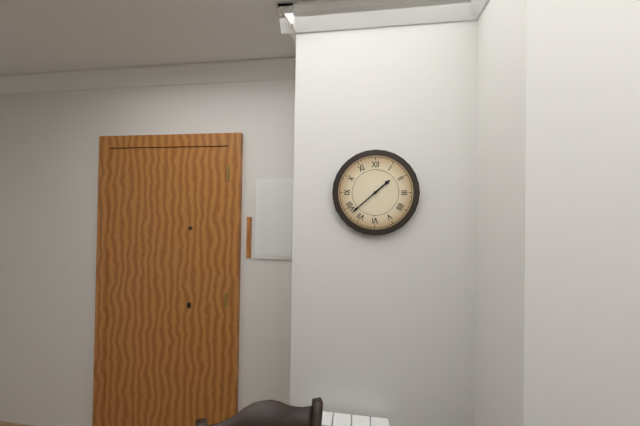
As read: {"hour": 1, "minute": 38}
